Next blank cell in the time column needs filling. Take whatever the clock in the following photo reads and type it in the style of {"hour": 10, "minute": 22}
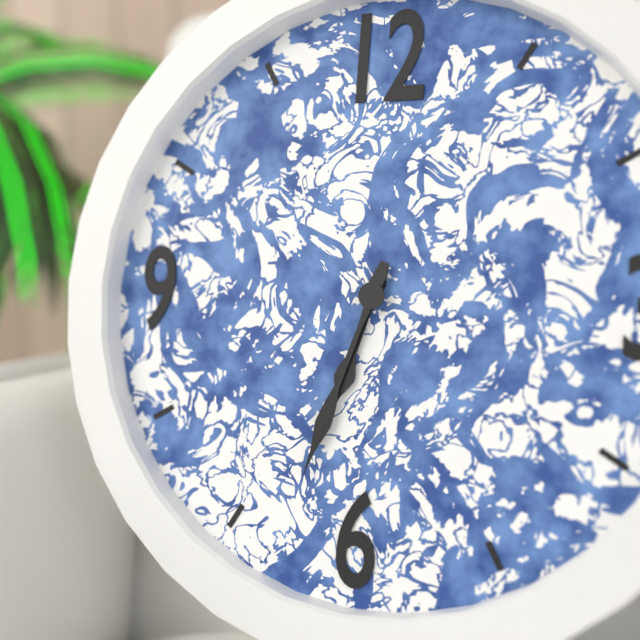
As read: {"hour": 6, "minute": 33}
